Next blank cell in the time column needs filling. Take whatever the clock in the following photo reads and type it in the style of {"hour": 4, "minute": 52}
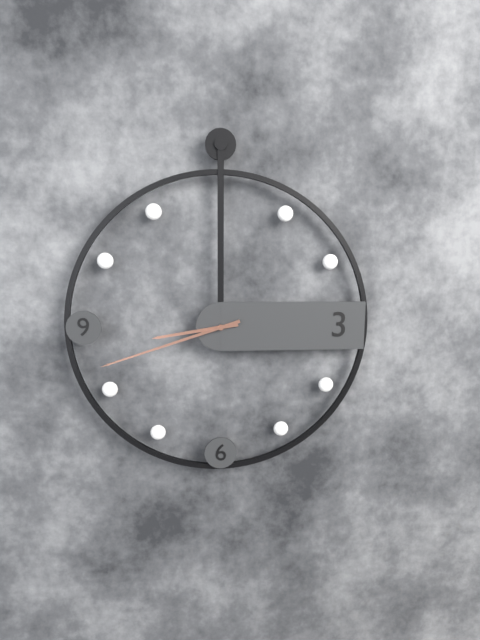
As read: {"hour": 8, "minute": 42}
